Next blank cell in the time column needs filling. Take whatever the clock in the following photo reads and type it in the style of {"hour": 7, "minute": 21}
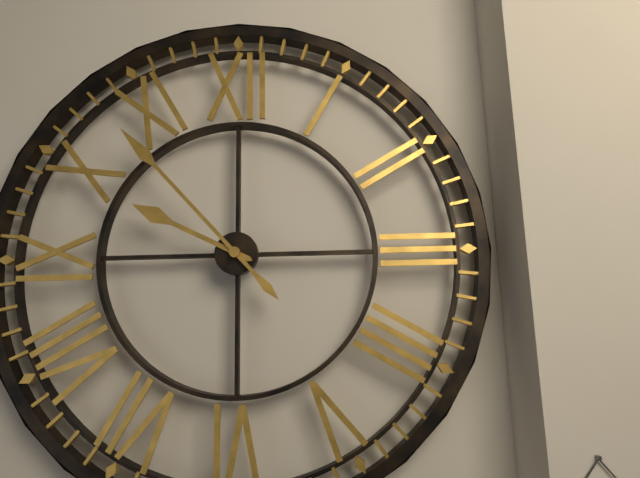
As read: {"hour": 9, "minute": 53}
